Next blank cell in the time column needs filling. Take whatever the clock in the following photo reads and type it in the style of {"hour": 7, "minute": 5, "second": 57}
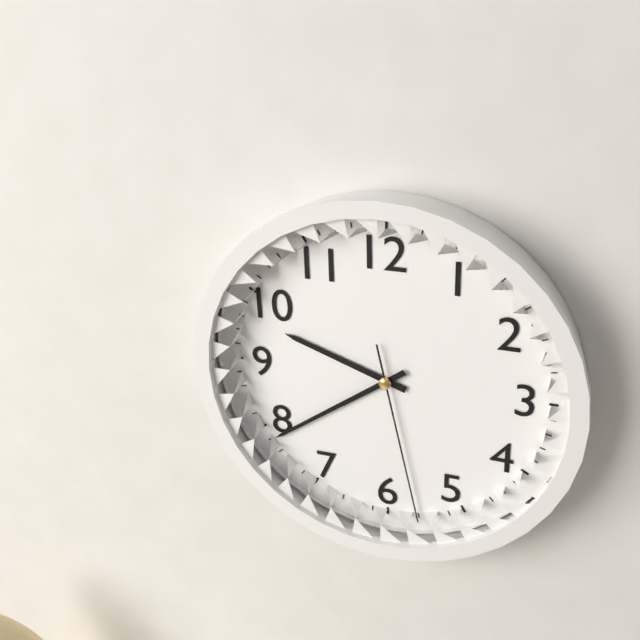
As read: {"hour": 9, "minute": 39, "second": 28}
